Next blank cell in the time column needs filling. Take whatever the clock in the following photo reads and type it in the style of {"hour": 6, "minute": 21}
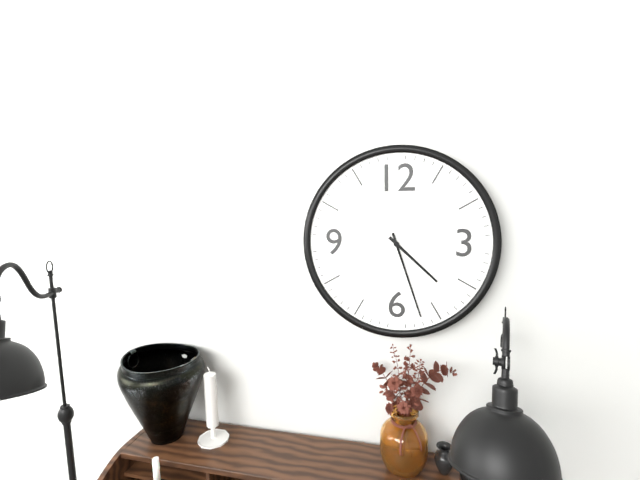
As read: {"hour": 4, "minute": 27}
